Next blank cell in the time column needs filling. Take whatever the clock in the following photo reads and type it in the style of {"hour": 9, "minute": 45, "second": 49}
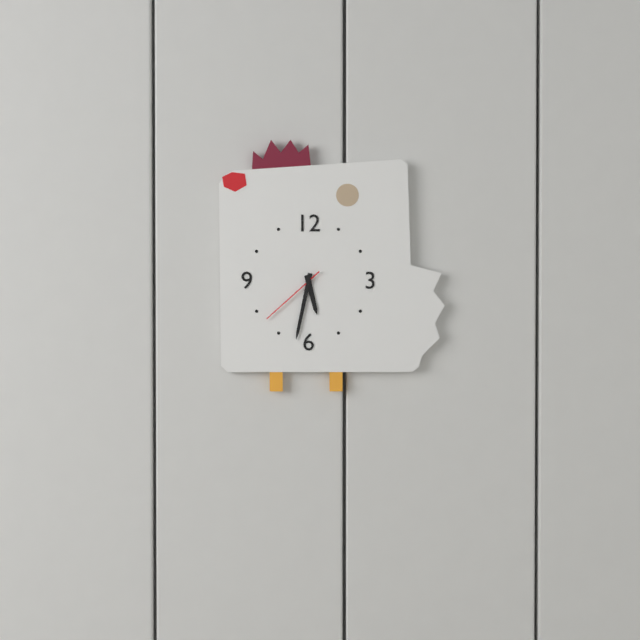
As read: {"hour": 5, "minute": 32, "second": 38}
